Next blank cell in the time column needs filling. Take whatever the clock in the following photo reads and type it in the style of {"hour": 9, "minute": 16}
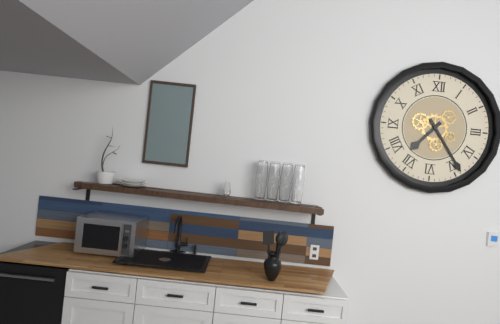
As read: {"hour": 7, "minute": 24}
